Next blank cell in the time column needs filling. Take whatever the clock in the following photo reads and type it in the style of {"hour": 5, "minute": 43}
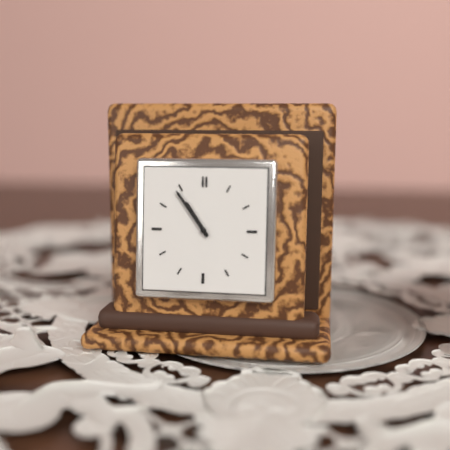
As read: {"hour": 10, "minute": 54}
